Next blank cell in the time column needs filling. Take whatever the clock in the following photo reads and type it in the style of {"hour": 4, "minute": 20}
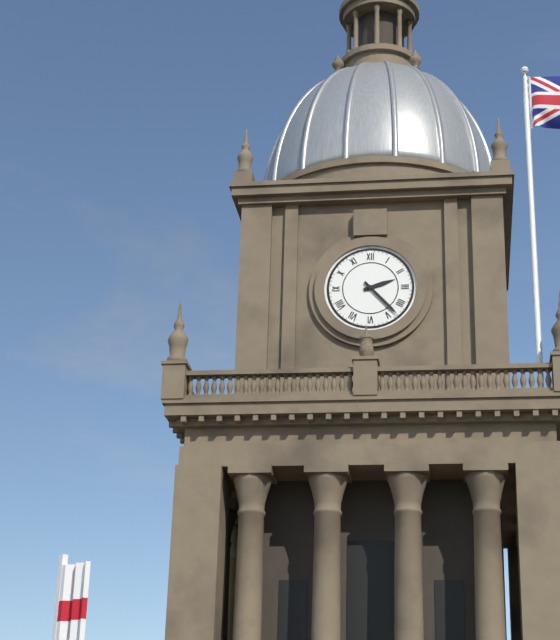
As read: {"hour": 2, "minute": 23}
